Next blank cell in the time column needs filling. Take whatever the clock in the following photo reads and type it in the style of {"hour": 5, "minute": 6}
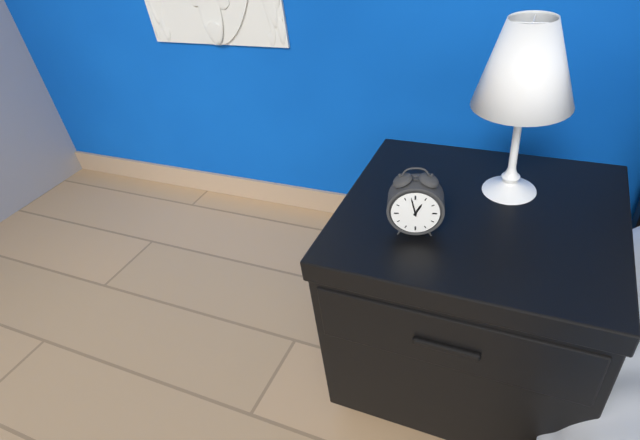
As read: {"hour": 12, "minute": 58}
